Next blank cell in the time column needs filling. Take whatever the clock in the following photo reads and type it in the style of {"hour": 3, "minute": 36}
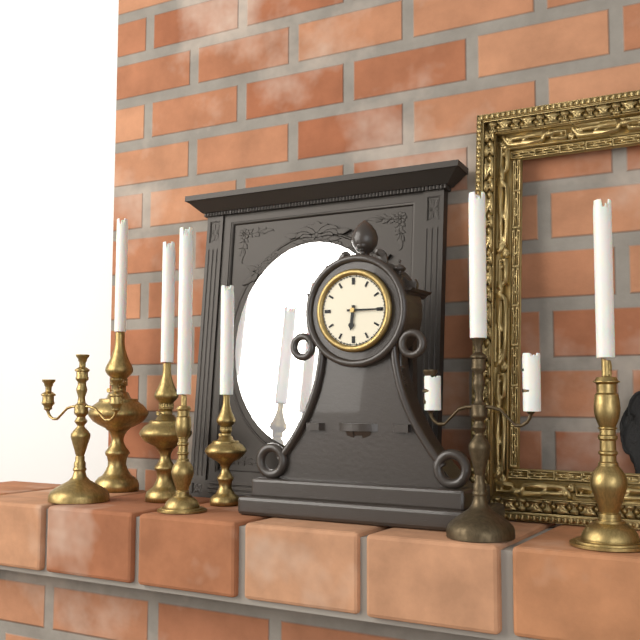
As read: {"hour": 6, "minute": 15}
